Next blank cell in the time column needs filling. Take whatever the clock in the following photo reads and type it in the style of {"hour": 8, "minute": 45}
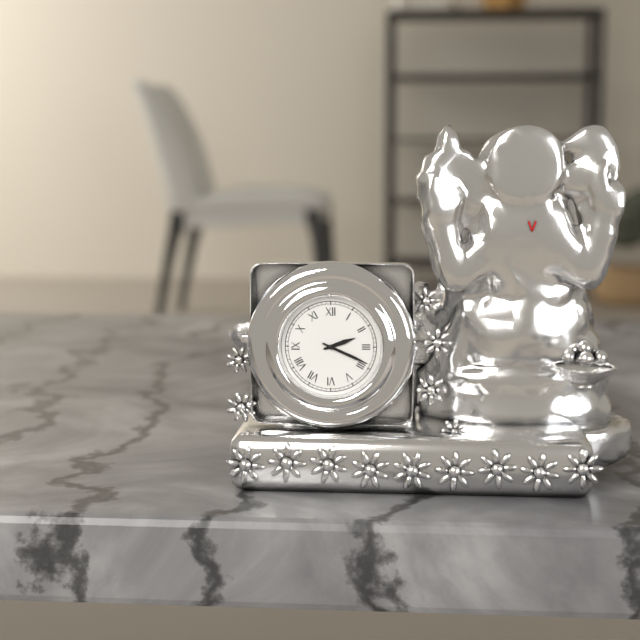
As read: {"hour": 2, "minute": 19}
